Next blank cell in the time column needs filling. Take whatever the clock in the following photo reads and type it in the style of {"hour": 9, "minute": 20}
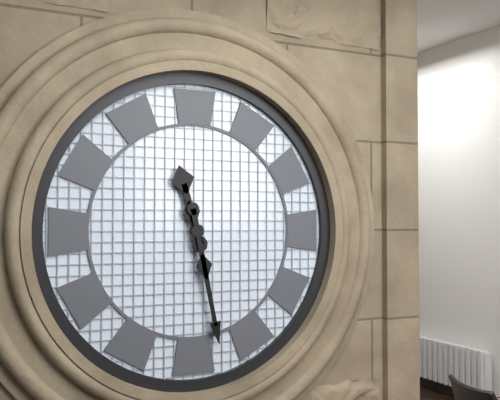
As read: {"hour": 11, "minute": 28}
